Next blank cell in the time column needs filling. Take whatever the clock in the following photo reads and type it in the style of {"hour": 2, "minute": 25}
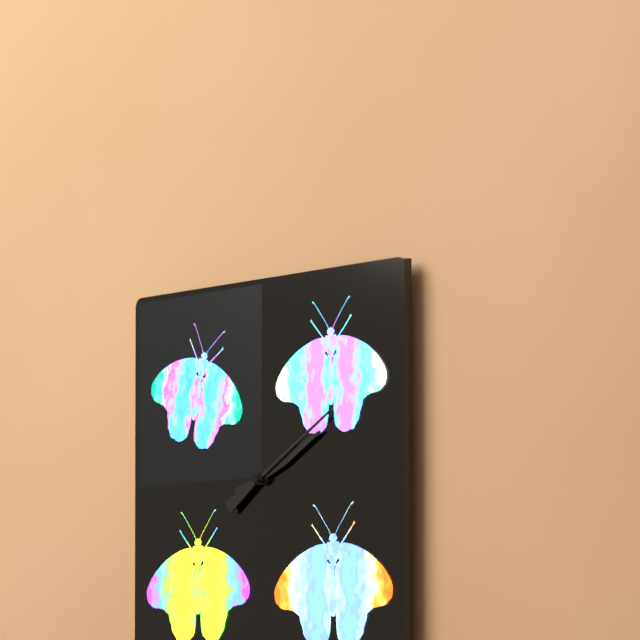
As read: {"hour": 2, "minute": 10}
